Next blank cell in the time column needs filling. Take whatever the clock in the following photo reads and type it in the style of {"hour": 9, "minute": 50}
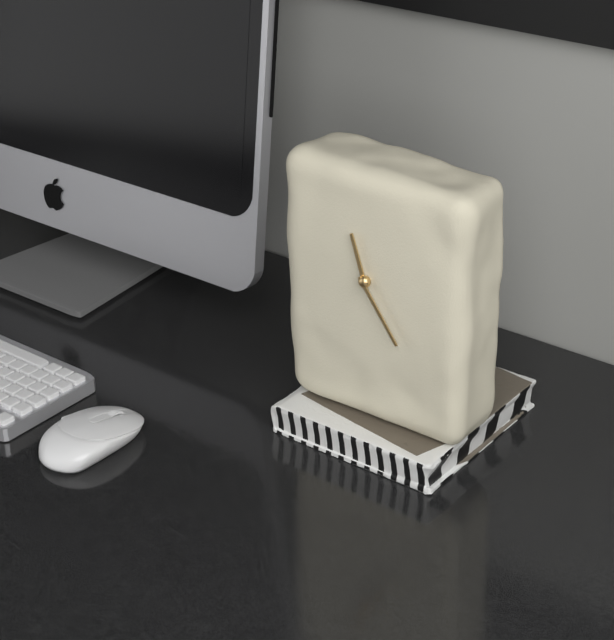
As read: {"hour": 11, "minute": 24}
